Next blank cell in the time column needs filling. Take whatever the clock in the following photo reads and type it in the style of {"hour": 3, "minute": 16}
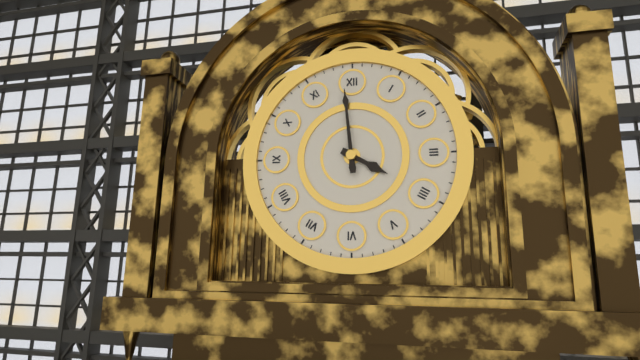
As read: {"hour": 3, "minute": 59}
